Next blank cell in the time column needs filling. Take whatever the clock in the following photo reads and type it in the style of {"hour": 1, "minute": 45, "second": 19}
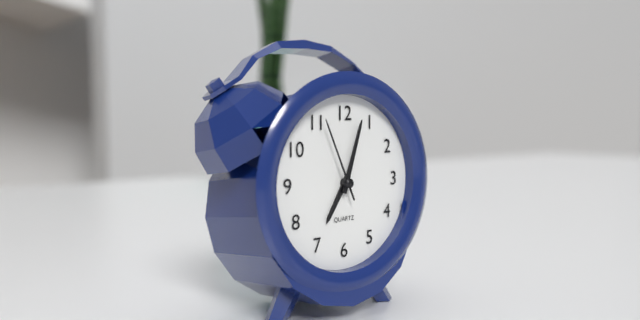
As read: {"hour": 7, "minute": 3, "second": 56}
